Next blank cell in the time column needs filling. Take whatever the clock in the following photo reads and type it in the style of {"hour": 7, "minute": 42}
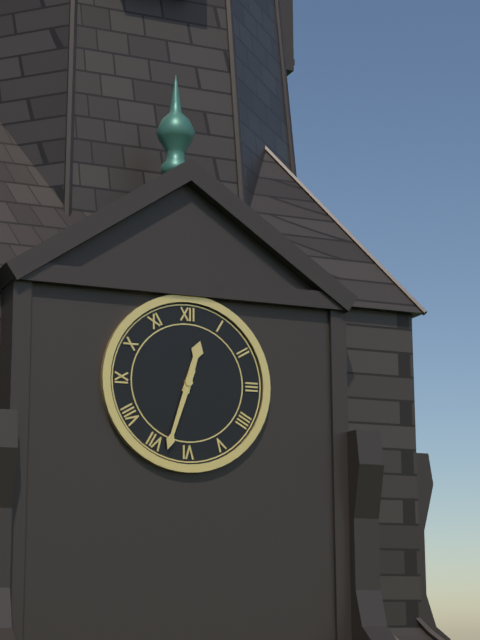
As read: {"hour": 12, "minute": 33}
